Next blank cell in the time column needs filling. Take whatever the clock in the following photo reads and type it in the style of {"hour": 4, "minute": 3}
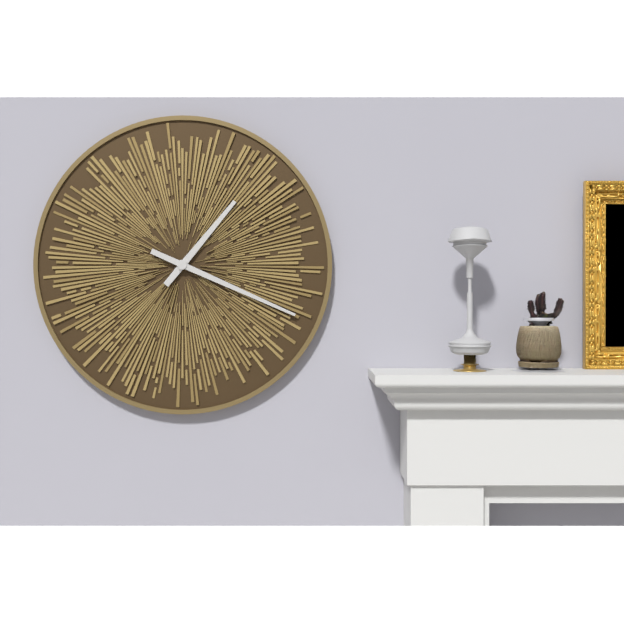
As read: {"hour": 1, "minute": 19}
